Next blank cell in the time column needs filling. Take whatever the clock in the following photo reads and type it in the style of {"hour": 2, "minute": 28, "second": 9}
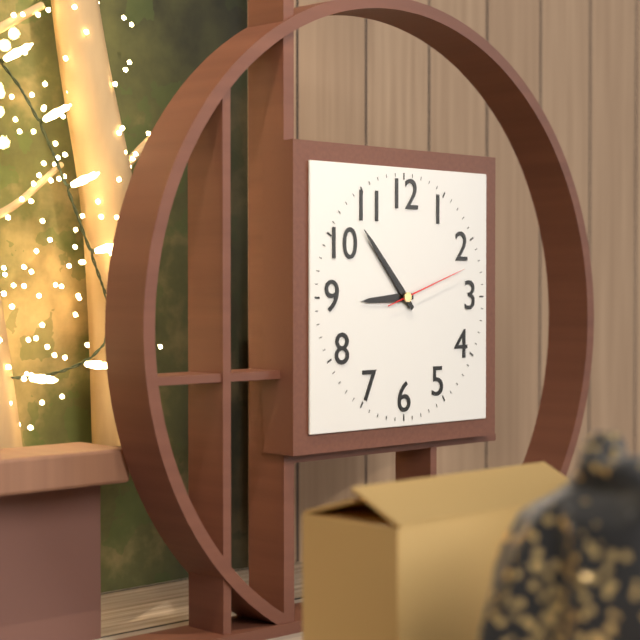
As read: {"hour": 8, "minute": 53, "second": 12}
